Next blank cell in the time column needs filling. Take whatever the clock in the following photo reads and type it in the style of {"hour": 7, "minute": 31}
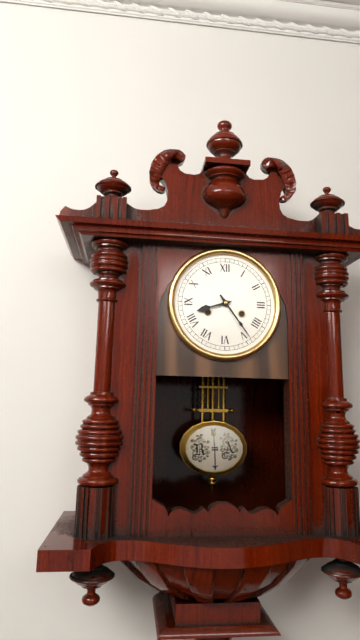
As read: {"hour": 8, "minute": 24}
